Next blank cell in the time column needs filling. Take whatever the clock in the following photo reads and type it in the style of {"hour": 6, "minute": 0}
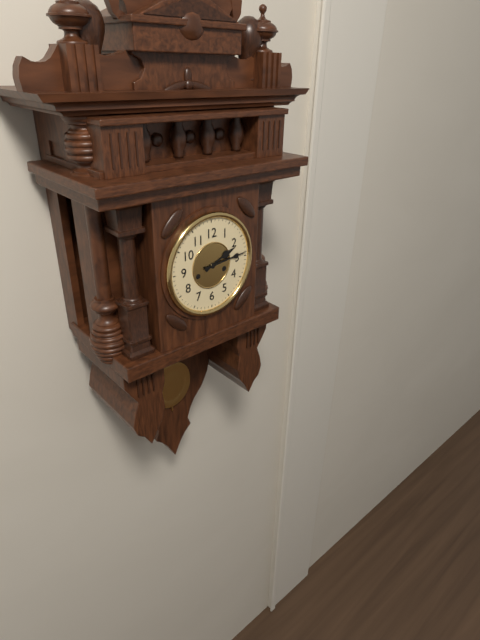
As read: {"hour": 2, "minute": 14}
